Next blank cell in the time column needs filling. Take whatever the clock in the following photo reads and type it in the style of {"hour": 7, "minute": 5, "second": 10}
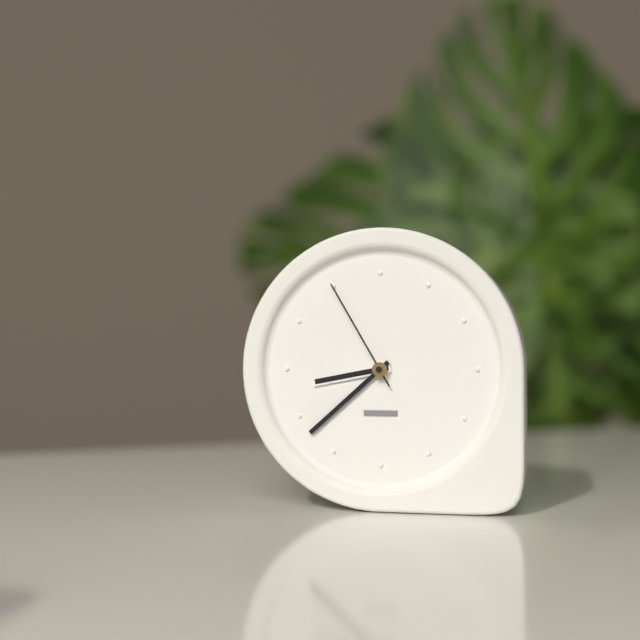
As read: {"hour": 8, "minute": 38, "second": 55}
